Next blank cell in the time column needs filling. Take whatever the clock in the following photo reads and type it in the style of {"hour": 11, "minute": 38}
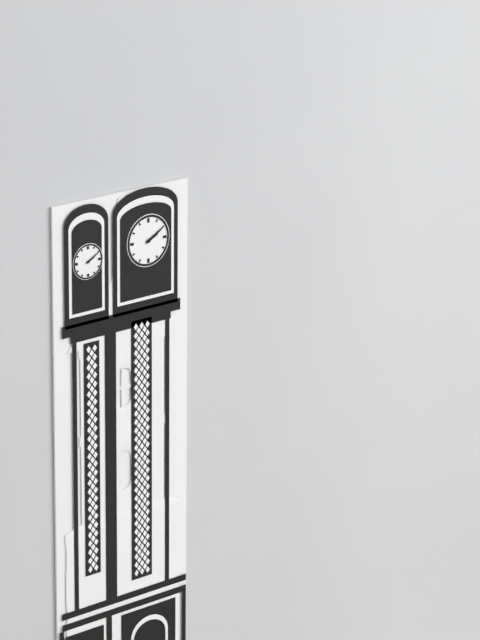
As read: {"hour": 2, "minute": 10}
